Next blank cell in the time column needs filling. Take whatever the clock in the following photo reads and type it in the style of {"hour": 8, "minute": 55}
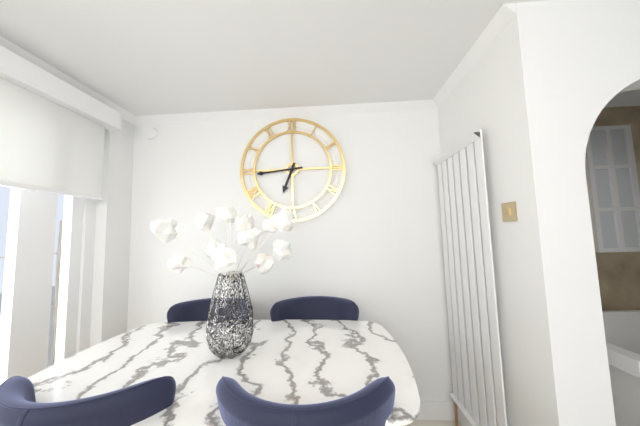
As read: {"hour": 6, "minute": 44}
